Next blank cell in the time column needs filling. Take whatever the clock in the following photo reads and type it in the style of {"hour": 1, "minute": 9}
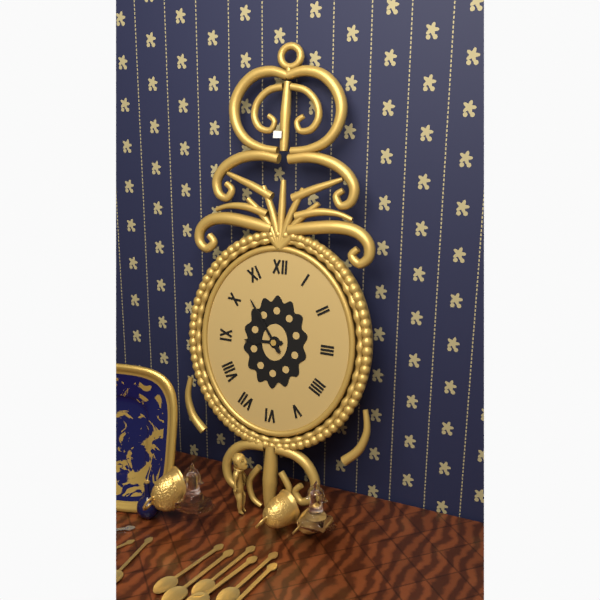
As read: {"hour": 8, "minute": 54}
